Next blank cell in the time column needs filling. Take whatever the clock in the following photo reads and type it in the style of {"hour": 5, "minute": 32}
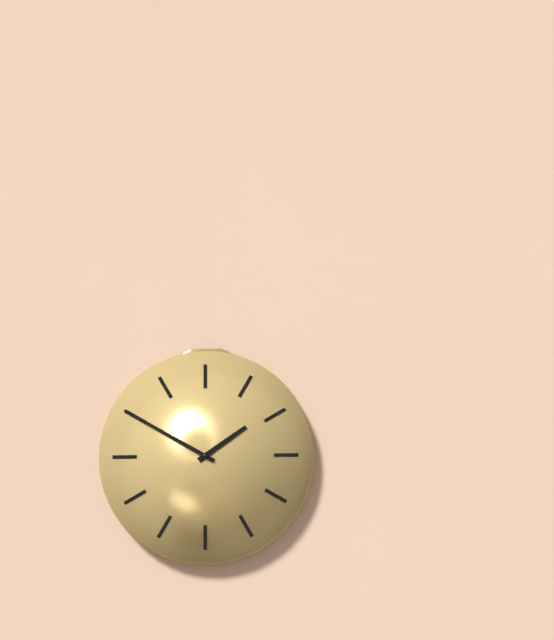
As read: {"hour": 1, "minute": 50}
